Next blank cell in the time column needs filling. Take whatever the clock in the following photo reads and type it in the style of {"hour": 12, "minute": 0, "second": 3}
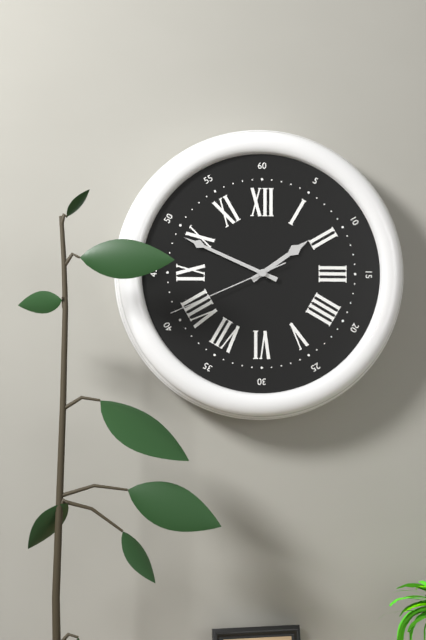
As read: {"hour": 1, "minute": 49, "second": 41}
